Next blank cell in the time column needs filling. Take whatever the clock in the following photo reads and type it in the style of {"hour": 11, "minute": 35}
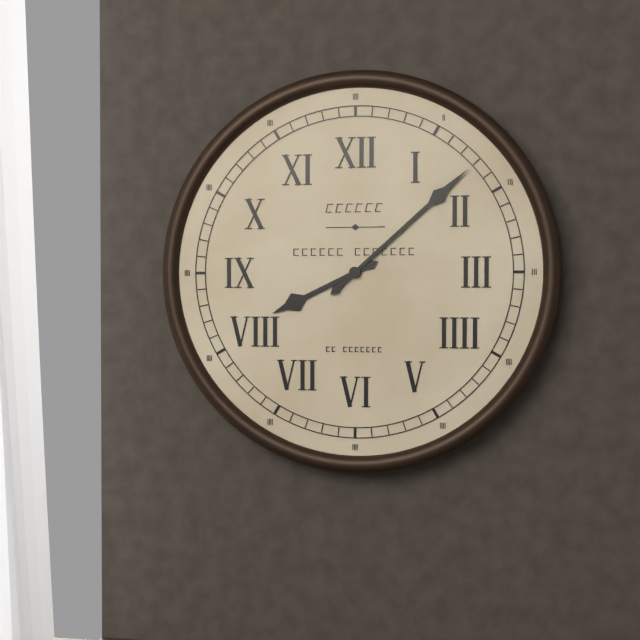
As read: {"hour": 8, "minute": 8}
